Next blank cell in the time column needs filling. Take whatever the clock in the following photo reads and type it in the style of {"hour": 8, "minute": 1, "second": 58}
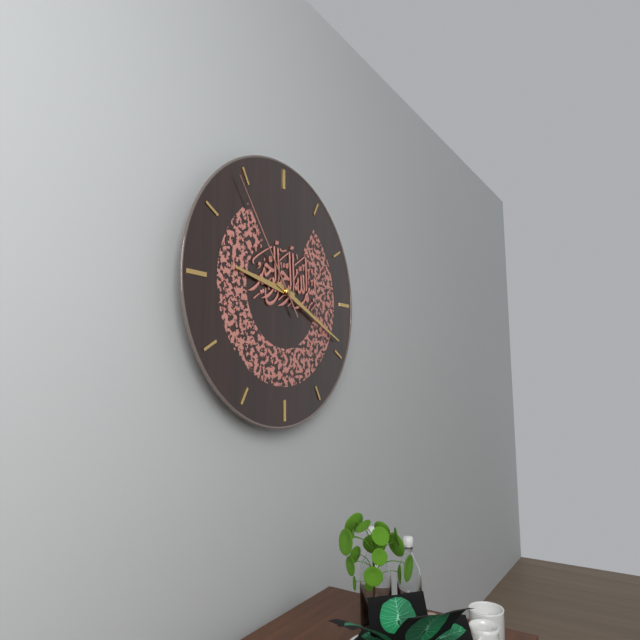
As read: {"hour": 9, "minute": 19, "second": 54}
